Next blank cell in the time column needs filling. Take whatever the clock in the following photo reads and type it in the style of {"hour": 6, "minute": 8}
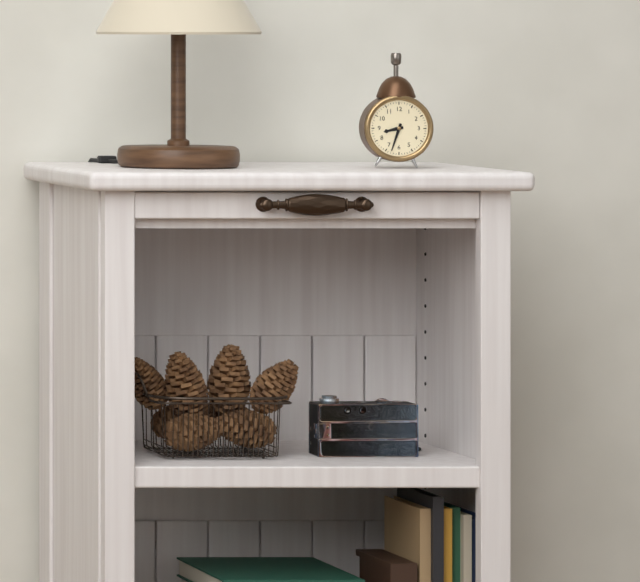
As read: {"hour": 8, "minute": 33}
